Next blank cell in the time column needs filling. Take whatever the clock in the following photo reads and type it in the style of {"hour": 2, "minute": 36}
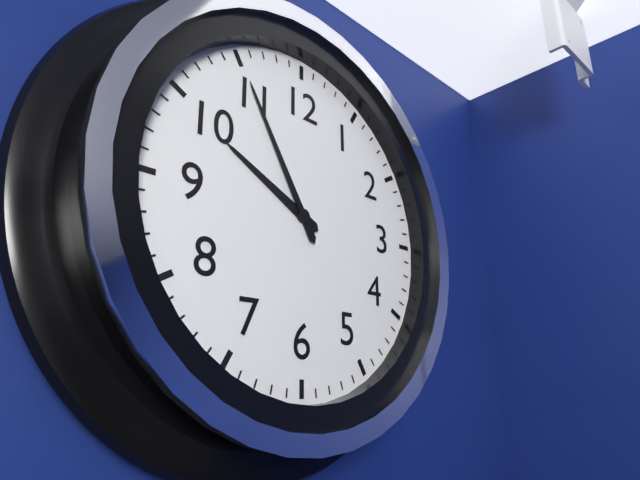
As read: {"hour": 9, "minute": 55}
